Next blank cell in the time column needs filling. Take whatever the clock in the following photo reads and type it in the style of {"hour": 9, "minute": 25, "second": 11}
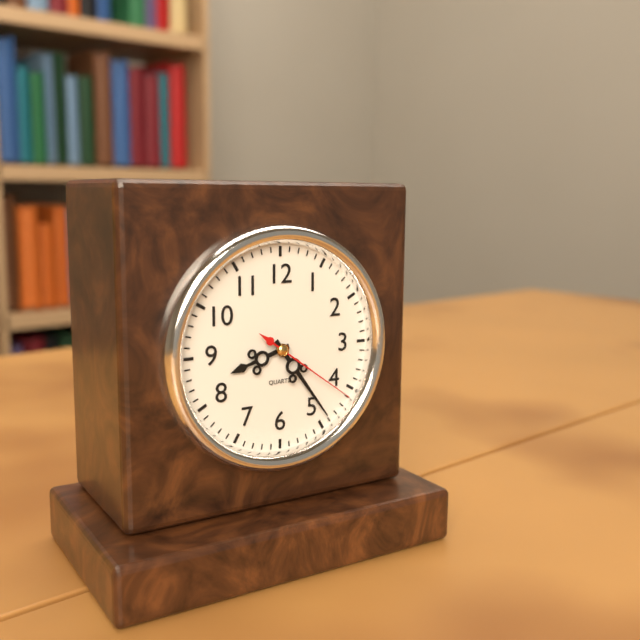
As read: {"hour": 8, "minute": 24, "second": 21}
